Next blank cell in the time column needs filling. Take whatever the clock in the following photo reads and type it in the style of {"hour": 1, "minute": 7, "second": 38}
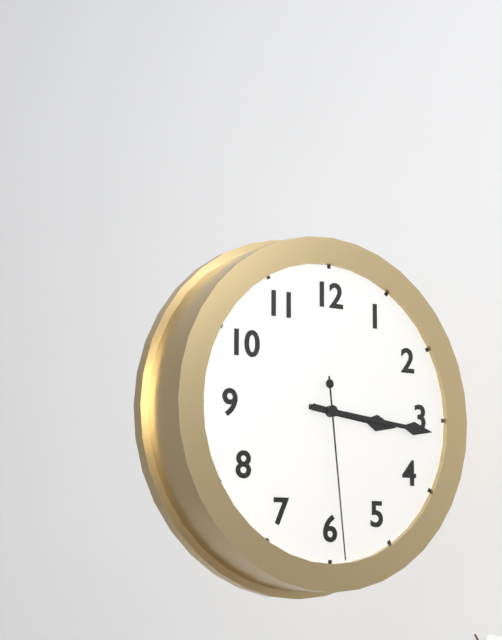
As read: {"hour": 3, "minute": 16, "second": 29}
